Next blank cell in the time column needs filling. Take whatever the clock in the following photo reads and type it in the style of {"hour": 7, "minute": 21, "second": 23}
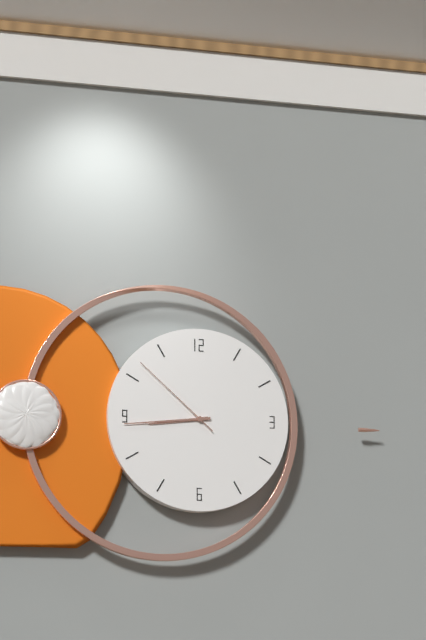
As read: {"hour": 8, "minute": 44, "second": 52}
